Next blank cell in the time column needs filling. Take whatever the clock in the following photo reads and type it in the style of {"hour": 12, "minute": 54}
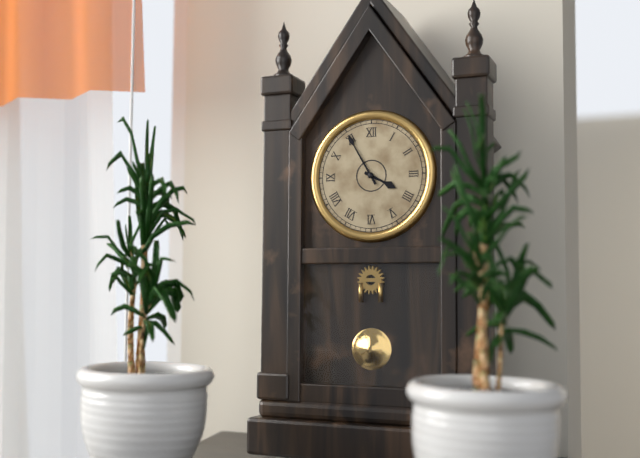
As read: {"hour": 3, "minute": 55}
